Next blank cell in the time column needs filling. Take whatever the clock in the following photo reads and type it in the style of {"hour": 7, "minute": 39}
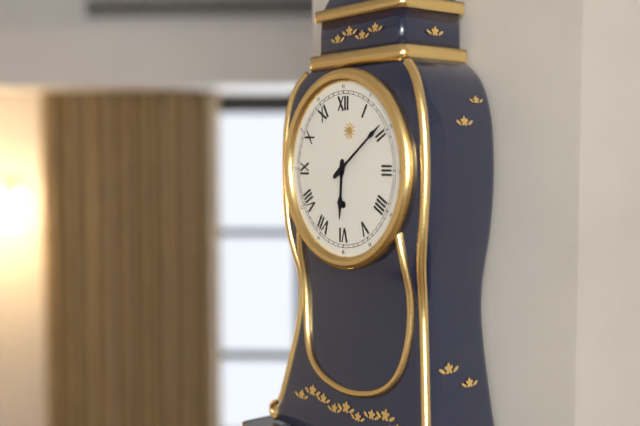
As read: {"hour": 6, "minute": 9}
